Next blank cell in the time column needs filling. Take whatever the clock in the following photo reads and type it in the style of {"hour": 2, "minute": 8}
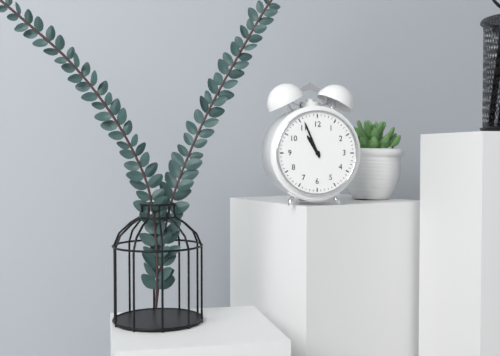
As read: {"hour": 10, "minute": 56}
